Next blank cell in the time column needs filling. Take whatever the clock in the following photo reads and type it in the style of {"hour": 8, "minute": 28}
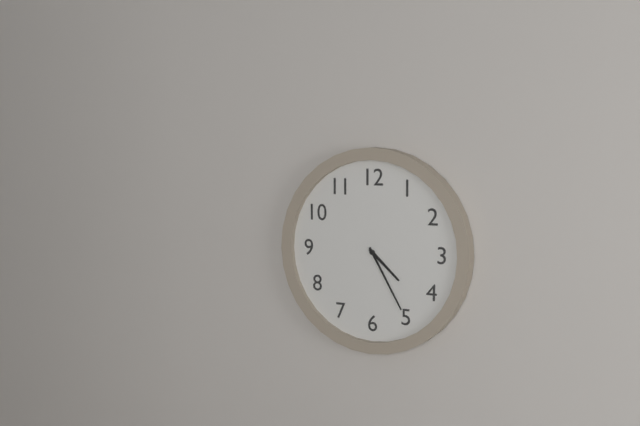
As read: {"hour": 4, "minute": 25}
